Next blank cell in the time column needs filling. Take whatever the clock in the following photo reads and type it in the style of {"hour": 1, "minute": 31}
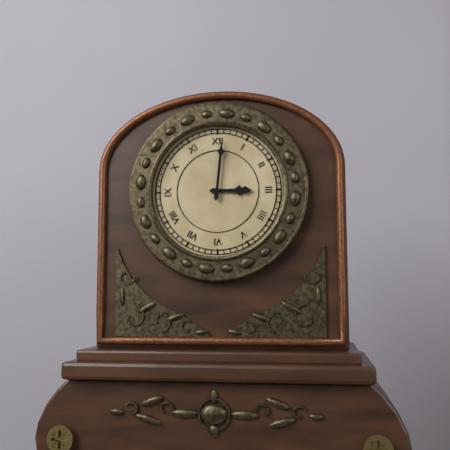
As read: {"hour": 3, "minute": 1}
